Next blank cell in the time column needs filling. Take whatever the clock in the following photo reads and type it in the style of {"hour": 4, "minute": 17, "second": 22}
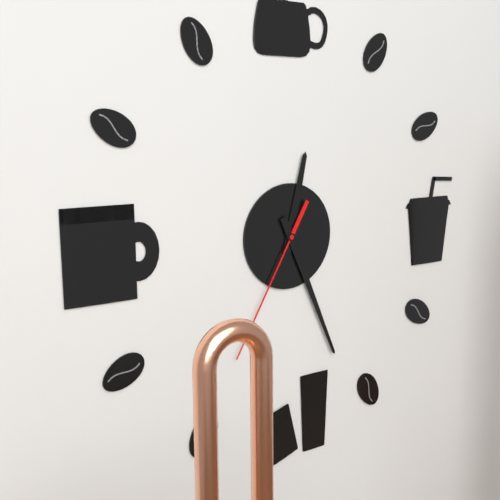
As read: {"hour": 12, "minute": 26, "second": 35}
